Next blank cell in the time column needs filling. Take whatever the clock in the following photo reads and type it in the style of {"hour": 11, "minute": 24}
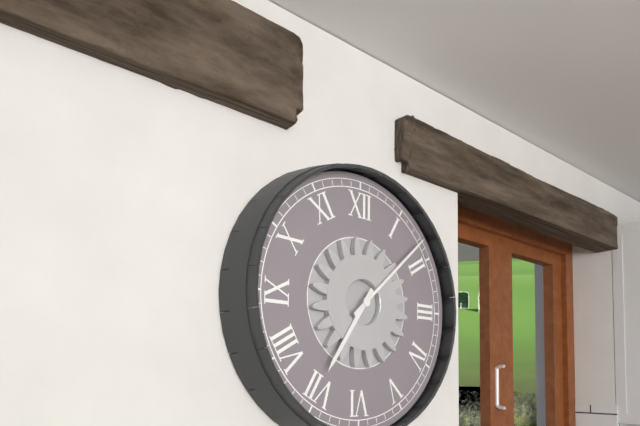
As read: {"hour": 7, "minute": 8}
